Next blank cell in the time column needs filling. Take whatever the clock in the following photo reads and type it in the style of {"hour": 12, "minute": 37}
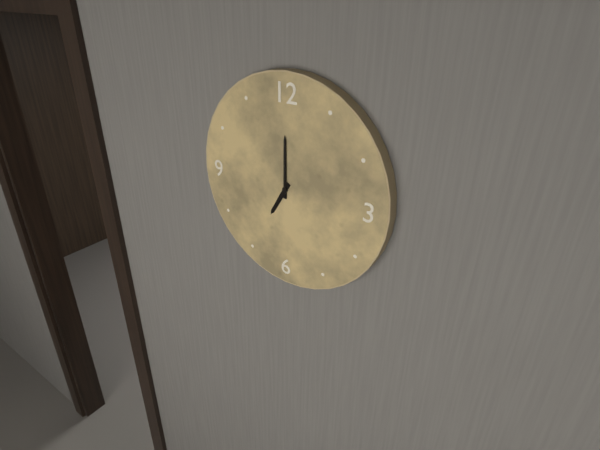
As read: {"hour": 7, "minute": 0}
